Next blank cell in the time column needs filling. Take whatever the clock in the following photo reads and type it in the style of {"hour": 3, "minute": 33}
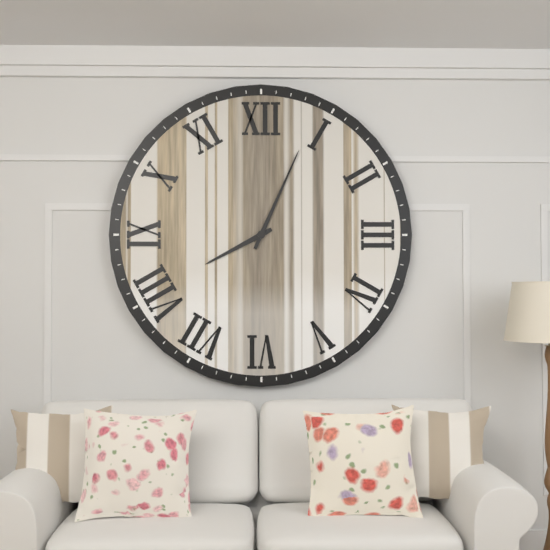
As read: {"hour": 8, "minute": 4}
